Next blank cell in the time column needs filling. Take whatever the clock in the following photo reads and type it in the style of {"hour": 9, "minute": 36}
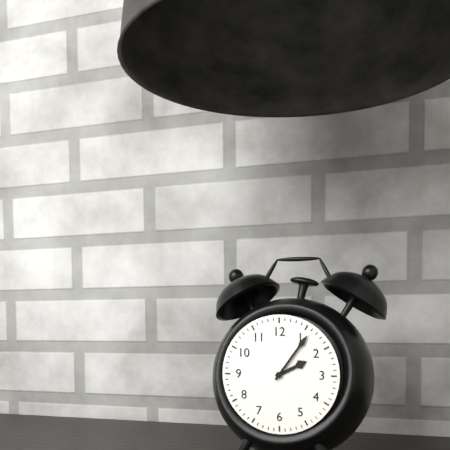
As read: {"hour": 2, "minute": 6}
